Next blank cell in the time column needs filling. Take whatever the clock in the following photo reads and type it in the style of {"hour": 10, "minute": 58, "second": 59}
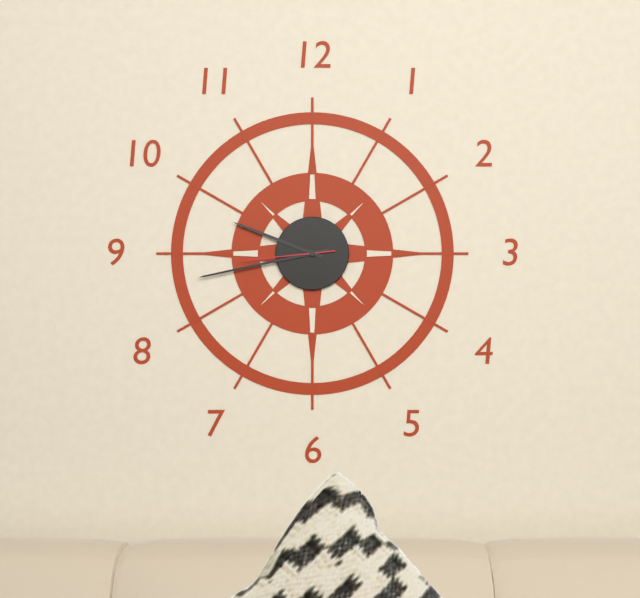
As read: {"hour": 9, "minute": 43, "second": 44}
